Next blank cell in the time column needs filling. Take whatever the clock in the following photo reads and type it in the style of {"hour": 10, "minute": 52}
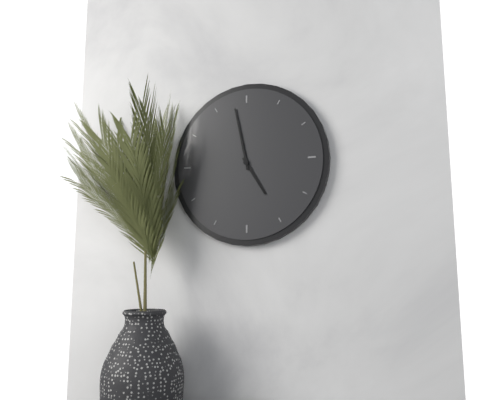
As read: {"hour": 4, "minute": 58}
